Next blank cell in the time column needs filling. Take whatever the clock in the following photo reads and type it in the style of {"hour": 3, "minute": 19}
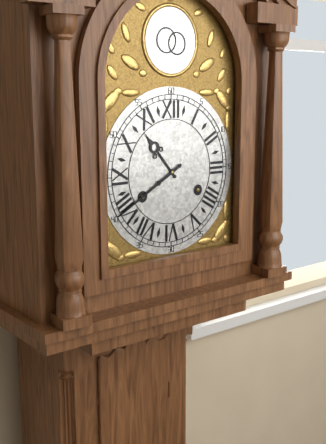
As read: {"hour": 10, "minute": 40}
